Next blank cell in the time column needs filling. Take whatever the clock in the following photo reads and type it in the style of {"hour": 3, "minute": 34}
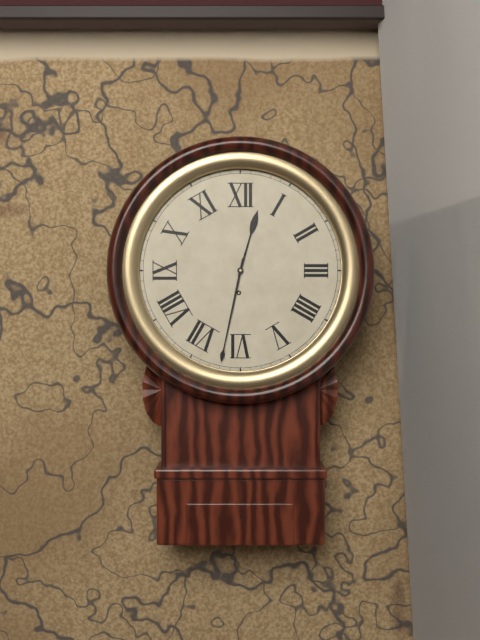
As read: {"hour": 12, "minute": 32}
